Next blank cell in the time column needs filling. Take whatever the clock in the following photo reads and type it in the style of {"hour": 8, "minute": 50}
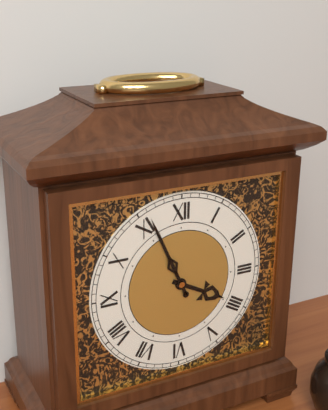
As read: {"hour": 3, "minute": 56}
